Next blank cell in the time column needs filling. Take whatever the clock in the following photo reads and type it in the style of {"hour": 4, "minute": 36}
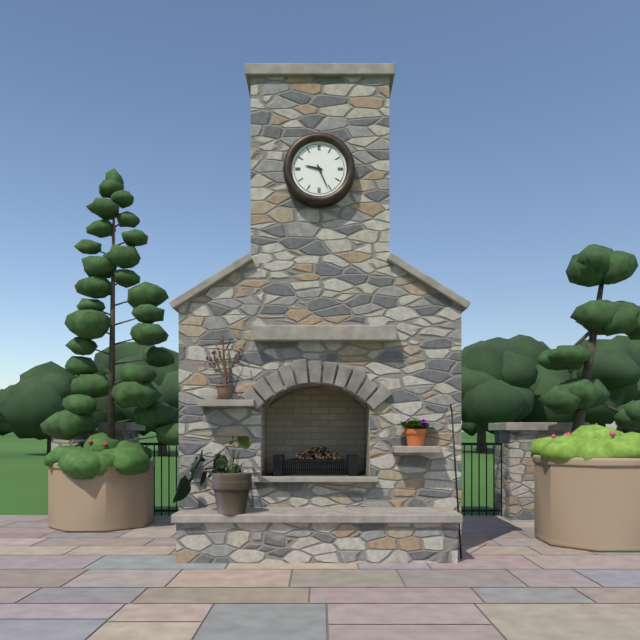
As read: {"hour": 9, "minute": 26}
